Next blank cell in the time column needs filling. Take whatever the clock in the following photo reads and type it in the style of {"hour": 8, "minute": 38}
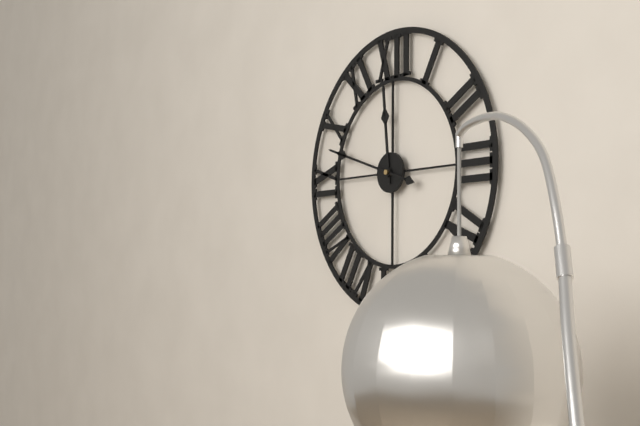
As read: {"hour": 11, "minute": 48}
